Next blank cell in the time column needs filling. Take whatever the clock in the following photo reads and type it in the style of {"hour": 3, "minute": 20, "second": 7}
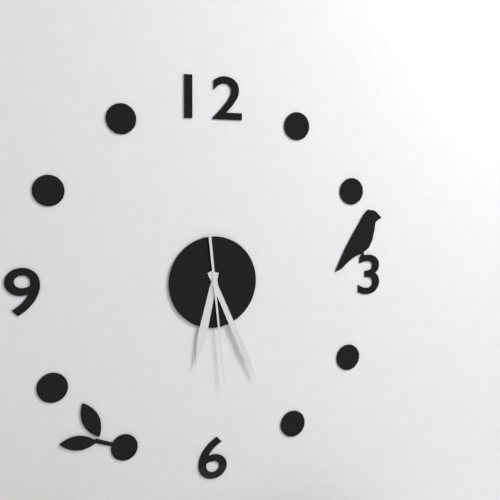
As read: {"hour": 6, "minute": 26, "second": 29}
